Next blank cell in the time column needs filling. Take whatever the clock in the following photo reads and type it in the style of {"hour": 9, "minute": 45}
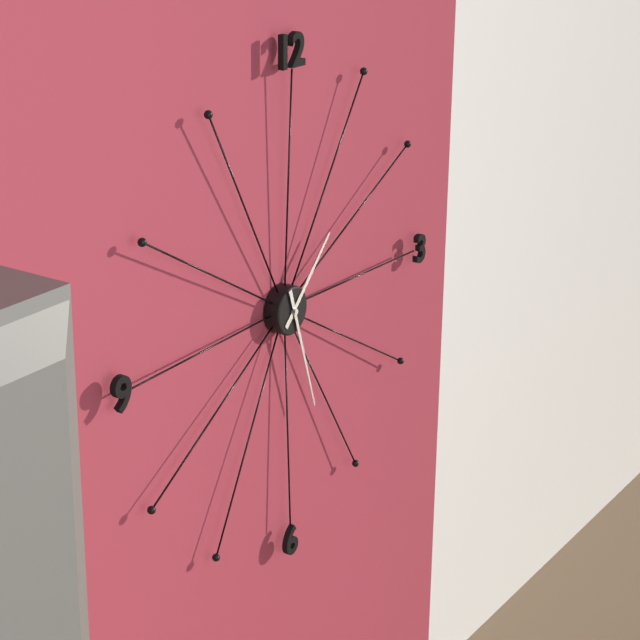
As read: {"hour": 1, "minute": 27}
